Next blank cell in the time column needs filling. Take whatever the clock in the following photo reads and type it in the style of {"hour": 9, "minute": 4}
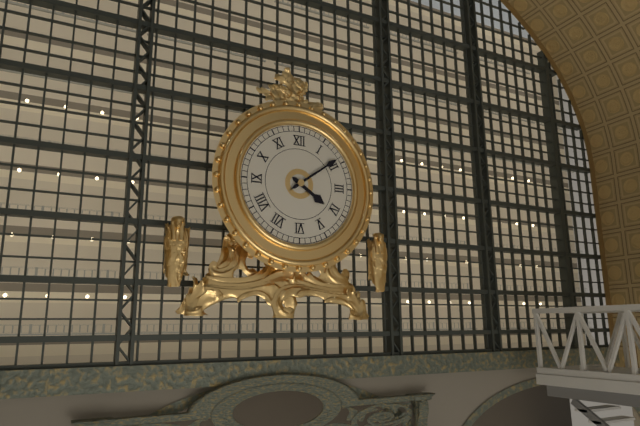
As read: {"hour": 4, "minute": 9}
